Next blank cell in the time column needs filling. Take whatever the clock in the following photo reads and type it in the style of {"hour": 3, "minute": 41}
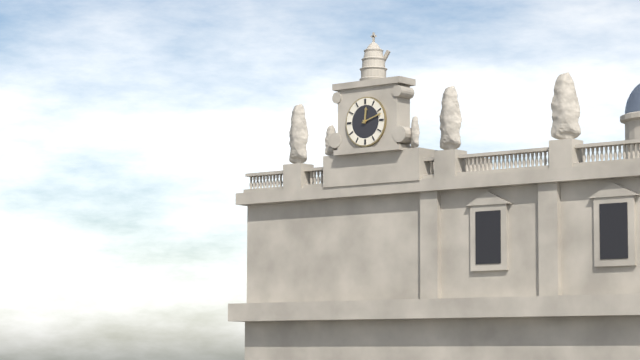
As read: {"hour": 12, "minute": 12}
